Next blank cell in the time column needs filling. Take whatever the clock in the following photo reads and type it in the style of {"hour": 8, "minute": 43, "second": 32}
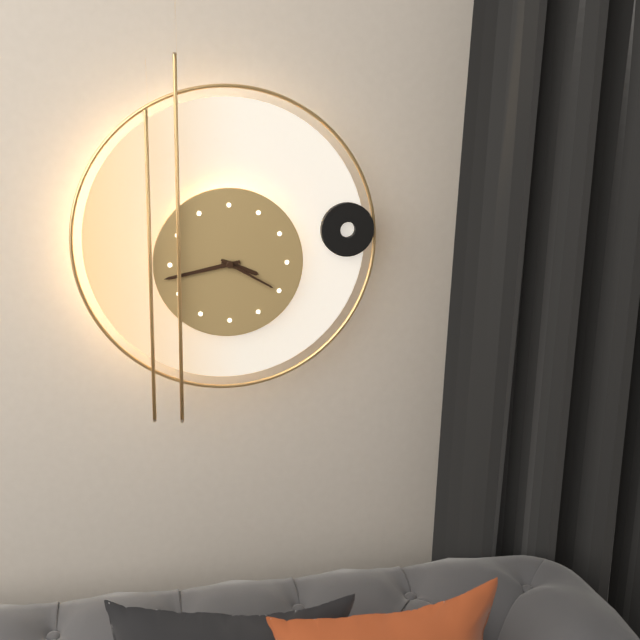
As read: {"hour": 3, "minute": 43, "second": 20}
